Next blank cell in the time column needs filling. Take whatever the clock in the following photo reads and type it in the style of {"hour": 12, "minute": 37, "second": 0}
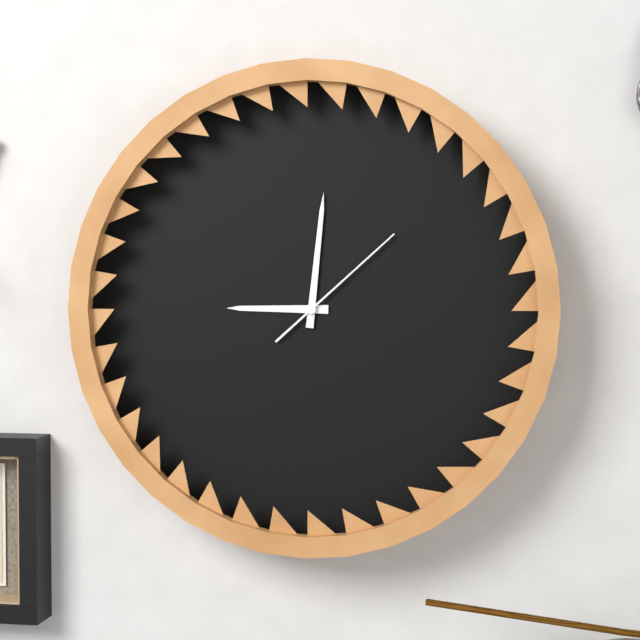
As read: {"hour": 9, "minute": 1, "second": 8}
